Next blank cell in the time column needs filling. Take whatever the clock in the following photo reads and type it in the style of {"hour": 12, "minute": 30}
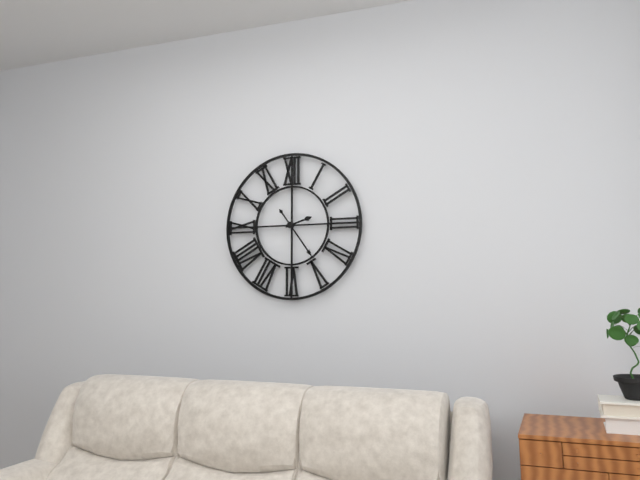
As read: {"hour": 2, "minute": 24}
